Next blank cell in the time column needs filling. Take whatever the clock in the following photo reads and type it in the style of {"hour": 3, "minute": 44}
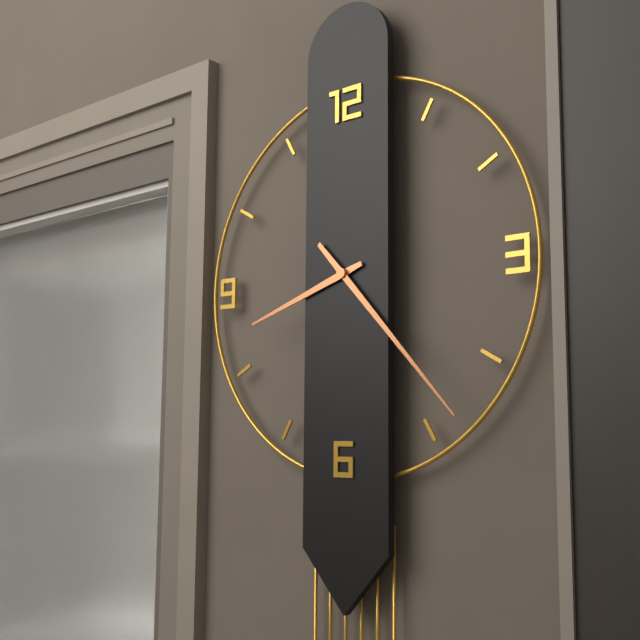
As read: {"hour": 8, "minute": 23}
